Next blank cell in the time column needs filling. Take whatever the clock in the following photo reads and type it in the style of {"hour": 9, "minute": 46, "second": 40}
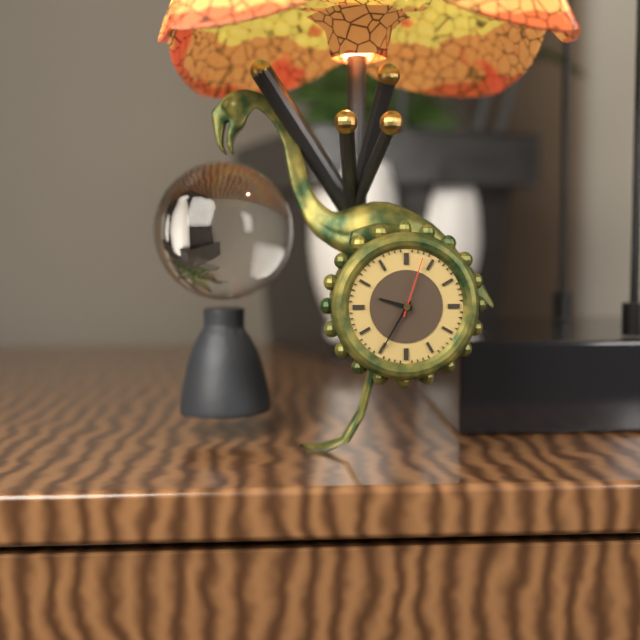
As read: {"hour": 9, "minute": 35, "second": 3}
